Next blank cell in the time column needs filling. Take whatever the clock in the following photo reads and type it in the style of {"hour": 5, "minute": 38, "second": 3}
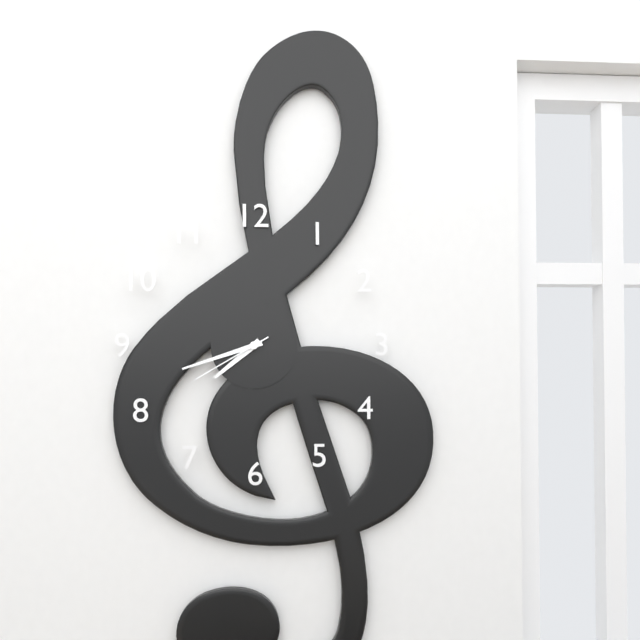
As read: {"hour": 7, "minute": 42, "second": 40}
